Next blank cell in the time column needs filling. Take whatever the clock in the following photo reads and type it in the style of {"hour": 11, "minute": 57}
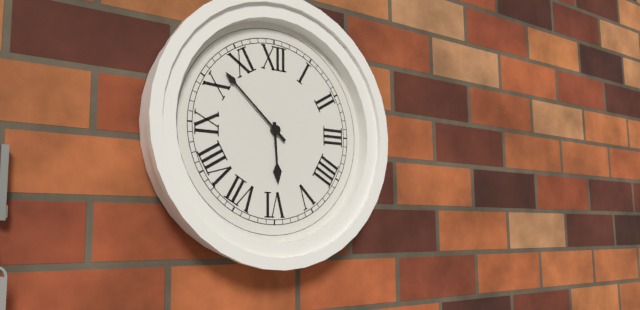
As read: {"hour": 5, "minute": 52}
